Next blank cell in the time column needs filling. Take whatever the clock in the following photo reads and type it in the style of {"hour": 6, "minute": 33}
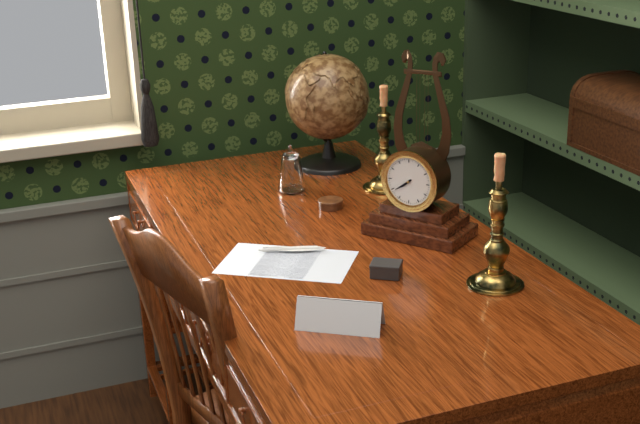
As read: {"hour": 7, "minute": 39}
